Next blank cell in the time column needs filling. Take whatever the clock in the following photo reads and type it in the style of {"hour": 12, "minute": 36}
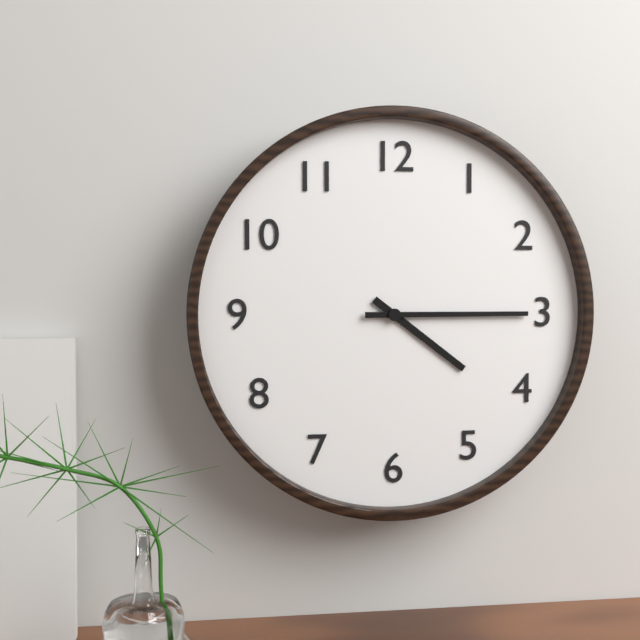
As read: {"hour": 4, "minute": 15}
